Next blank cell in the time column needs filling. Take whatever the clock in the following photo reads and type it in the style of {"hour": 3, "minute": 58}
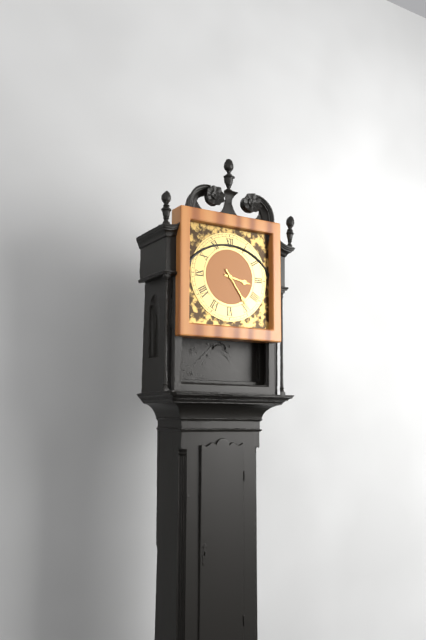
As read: {"hour": 3, "minute": 24}
